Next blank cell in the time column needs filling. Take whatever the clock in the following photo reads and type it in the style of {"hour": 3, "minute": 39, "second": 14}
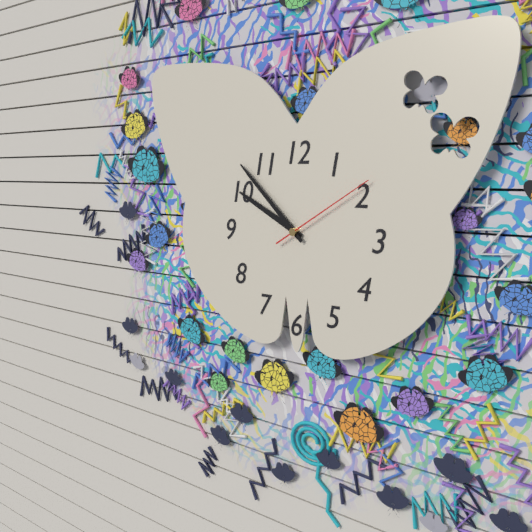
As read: {"hour": 9, "minute": 52, "second": 10}
